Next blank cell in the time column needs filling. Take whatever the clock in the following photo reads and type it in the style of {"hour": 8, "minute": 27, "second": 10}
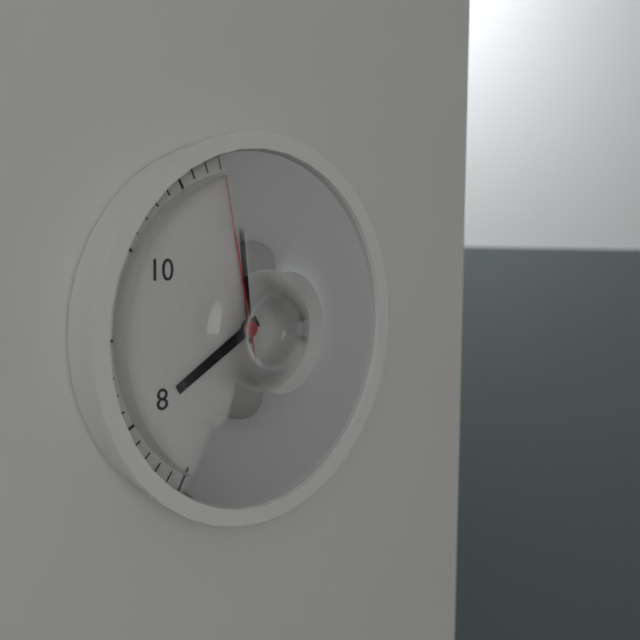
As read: {"hour": 7, "minute": 59, "second": 58}
